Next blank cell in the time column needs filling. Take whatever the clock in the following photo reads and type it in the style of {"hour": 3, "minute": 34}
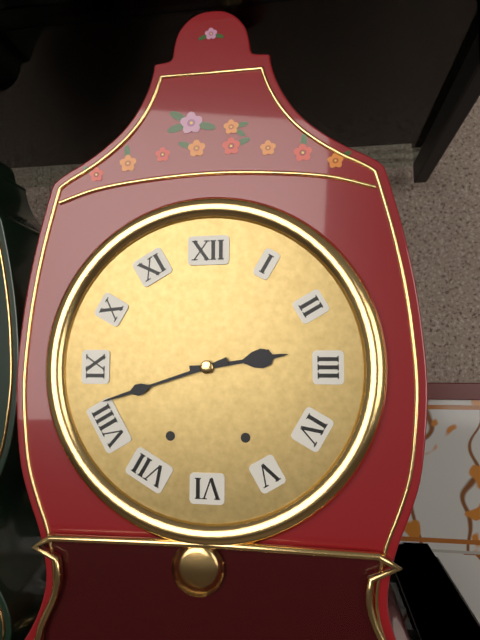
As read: {"hour": 2, "minute": 42}
